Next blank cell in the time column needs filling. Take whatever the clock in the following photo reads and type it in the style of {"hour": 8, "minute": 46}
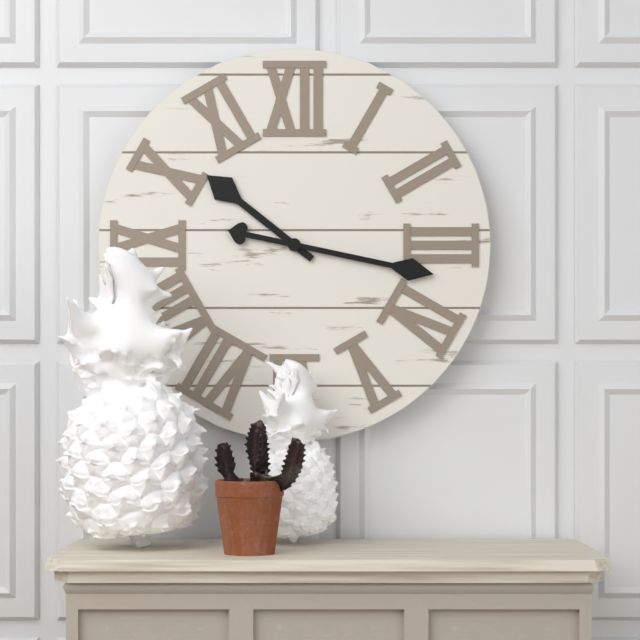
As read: {"hour": 10, "minute": 17}
